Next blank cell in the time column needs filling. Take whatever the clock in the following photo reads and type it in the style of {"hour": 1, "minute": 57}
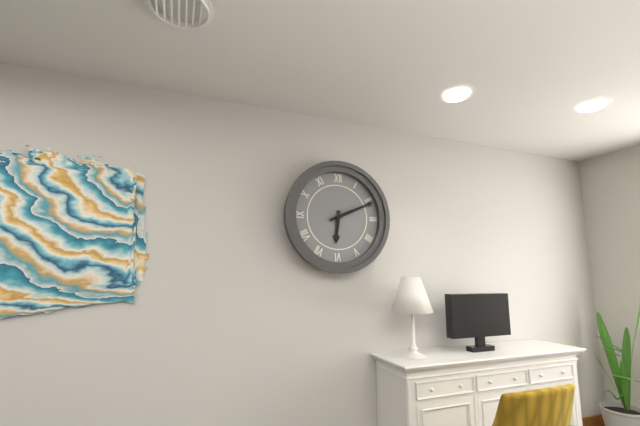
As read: {"hour": 6, "minute": 11}
